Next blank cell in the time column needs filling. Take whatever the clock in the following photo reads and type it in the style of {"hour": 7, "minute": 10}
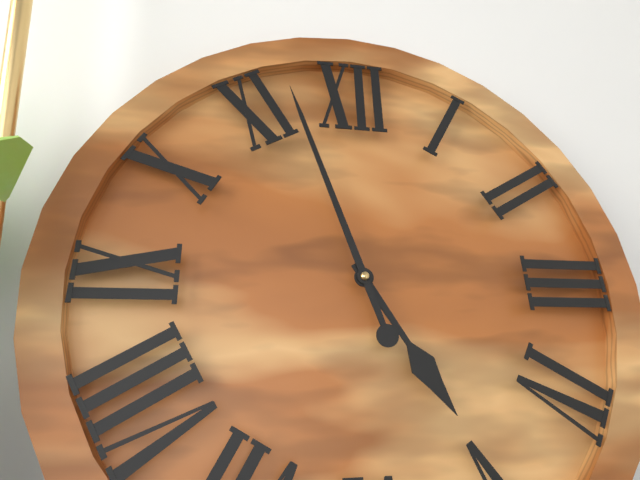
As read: {"hour": 4, "minute": 57}
